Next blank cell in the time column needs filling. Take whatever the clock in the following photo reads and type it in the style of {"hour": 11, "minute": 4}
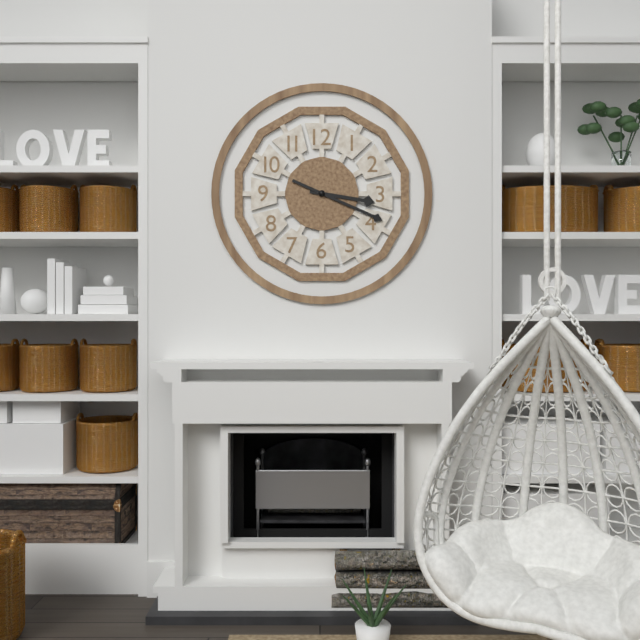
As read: {"hour": 3, "minute": 19}
